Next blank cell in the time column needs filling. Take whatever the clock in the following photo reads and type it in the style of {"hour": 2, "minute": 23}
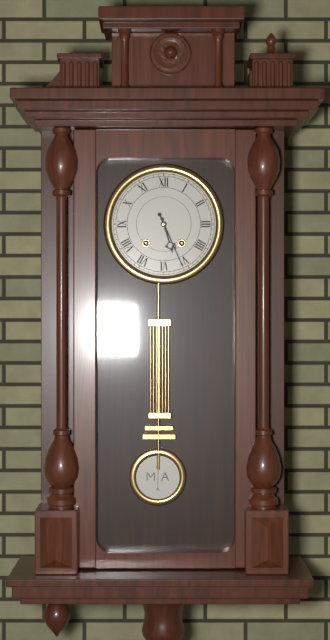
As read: {"hour": 5, "minute": 26}
